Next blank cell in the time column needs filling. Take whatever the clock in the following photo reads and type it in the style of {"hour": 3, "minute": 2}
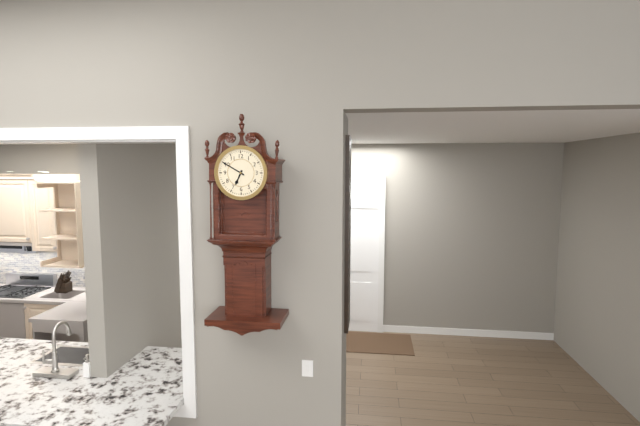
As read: {"hour": 6, "minute": 50}
